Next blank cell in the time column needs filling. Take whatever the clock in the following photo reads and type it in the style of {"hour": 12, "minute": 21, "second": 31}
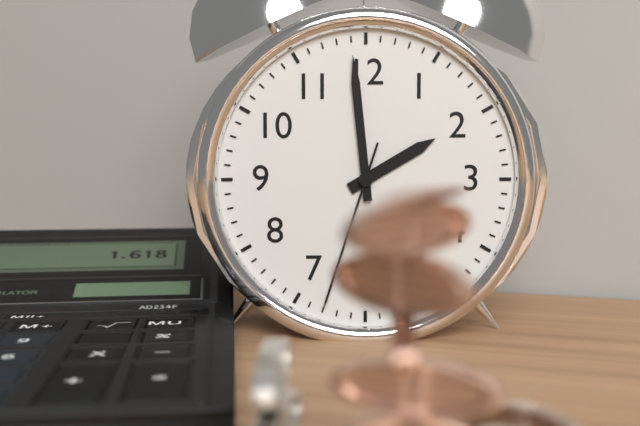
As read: {"hour": 1, "minute": 59, "second": 33}
